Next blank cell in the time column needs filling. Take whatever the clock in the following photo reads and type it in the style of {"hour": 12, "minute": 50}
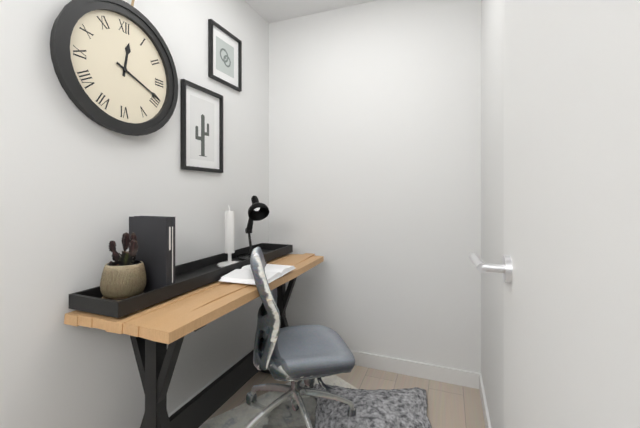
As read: {"hour": 12, "minute": 19}
